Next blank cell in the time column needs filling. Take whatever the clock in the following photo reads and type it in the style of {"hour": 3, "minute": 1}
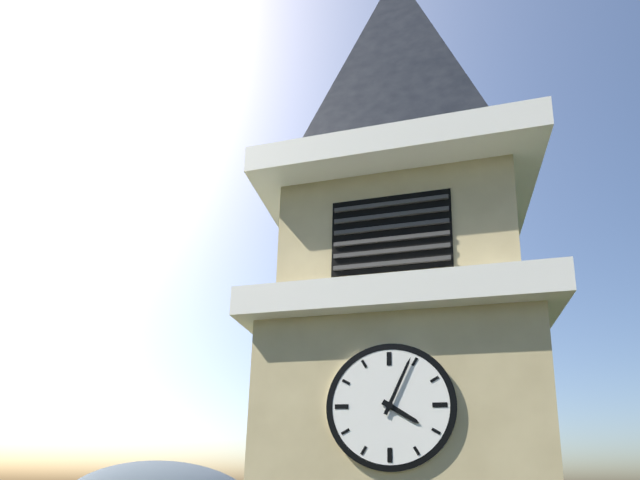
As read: {"hour": 4, "minute": 4}
